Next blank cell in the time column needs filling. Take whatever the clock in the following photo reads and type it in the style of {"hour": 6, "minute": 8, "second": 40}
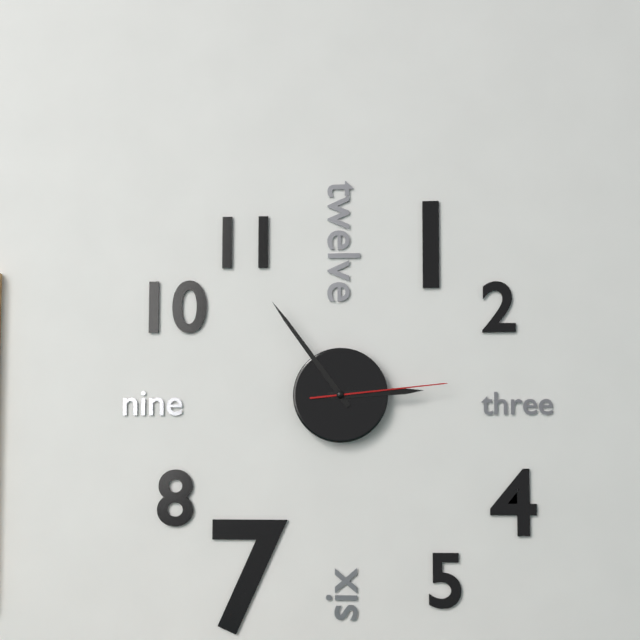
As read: {"hour": 2, "minute": 54, "second": 14}
